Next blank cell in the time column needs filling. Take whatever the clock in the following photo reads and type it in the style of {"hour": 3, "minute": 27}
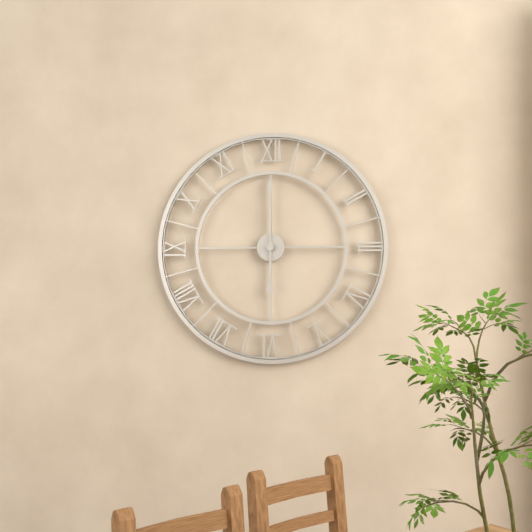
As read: {"hour": 6, "minute": 0}
